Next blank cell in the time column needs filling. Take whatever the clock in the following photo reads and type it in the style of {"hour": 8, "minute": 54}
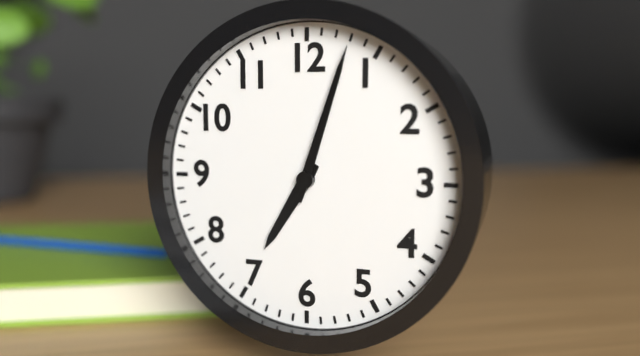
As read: {"hour": 7, "minute": 3}
